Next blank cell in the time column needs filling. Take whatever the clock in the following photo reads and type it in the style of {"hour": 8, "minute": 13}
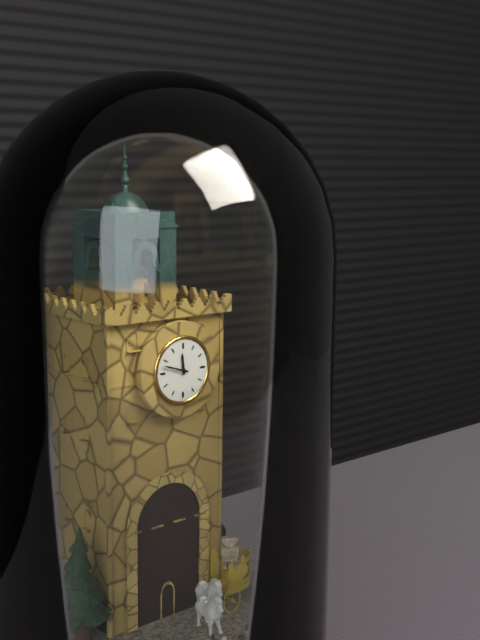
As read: {"hour": 11, "minute": 48}
